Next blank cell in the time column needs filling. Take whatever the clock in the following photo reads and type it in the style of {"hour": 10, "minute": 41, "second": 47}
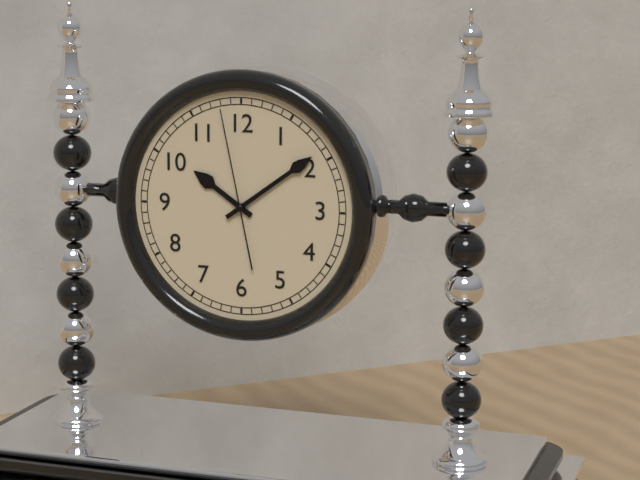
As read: {"hour": 10, "minute": 9, "second": 58}
